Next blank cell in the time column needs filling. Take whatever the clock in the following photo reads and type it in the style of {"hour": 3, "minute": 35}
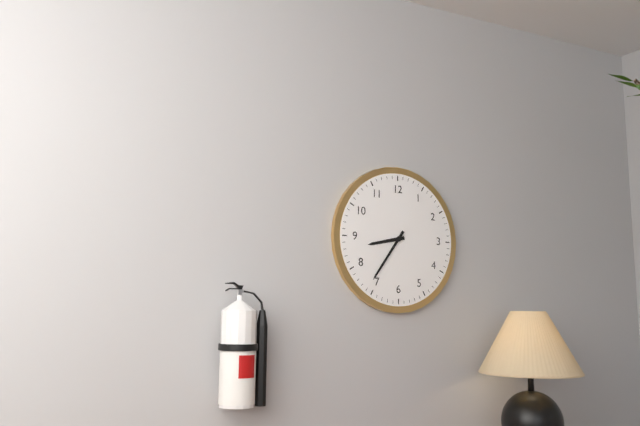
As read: {"hour": 8, "minute": 36}
